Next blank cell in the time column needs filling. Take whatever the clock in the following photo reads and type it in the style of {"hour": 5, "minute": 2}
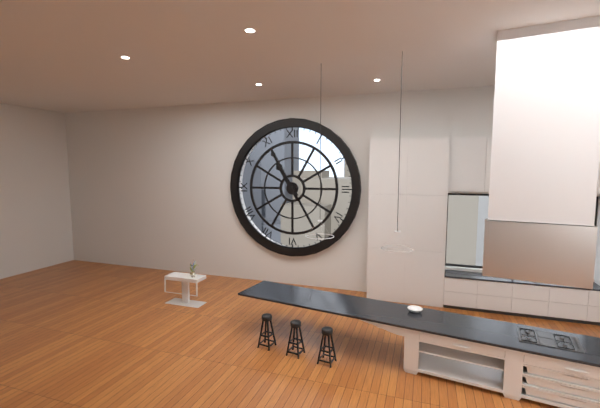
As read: {"hour": 10, "minute": 55}
